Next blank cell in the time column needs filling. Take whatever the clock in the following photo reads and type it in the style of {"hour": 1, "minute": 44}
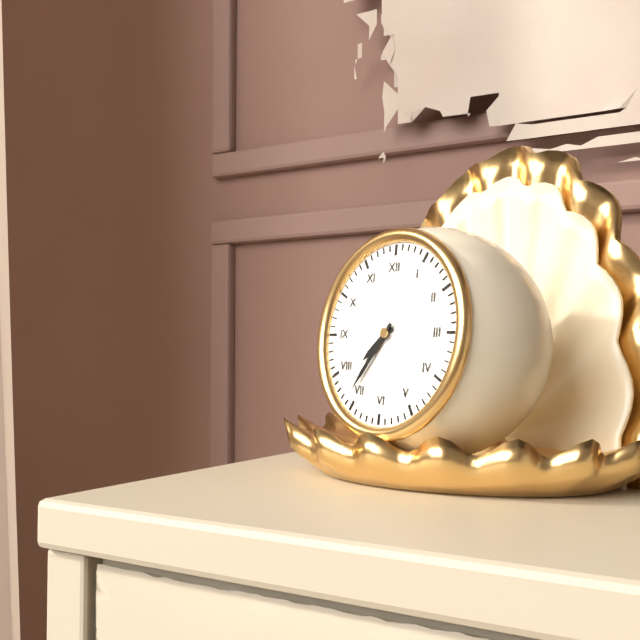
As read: {"hour": 7, "minute": 36}
